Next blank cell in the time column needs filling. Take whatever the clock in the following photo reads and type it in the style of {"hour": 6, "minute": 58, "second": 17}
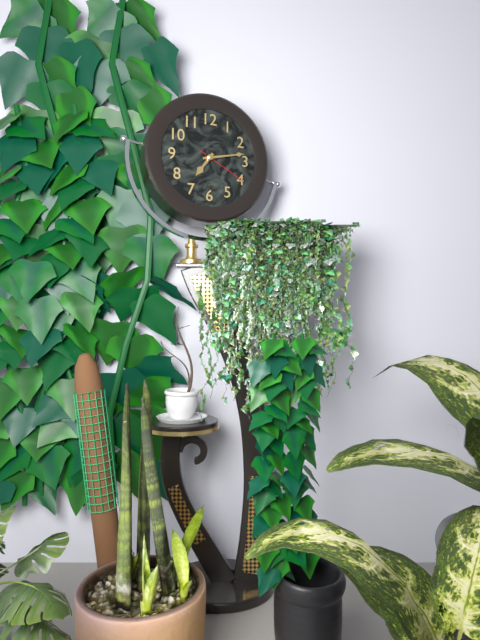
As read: {"hour": 7, "minute": 13, "second": 20}
